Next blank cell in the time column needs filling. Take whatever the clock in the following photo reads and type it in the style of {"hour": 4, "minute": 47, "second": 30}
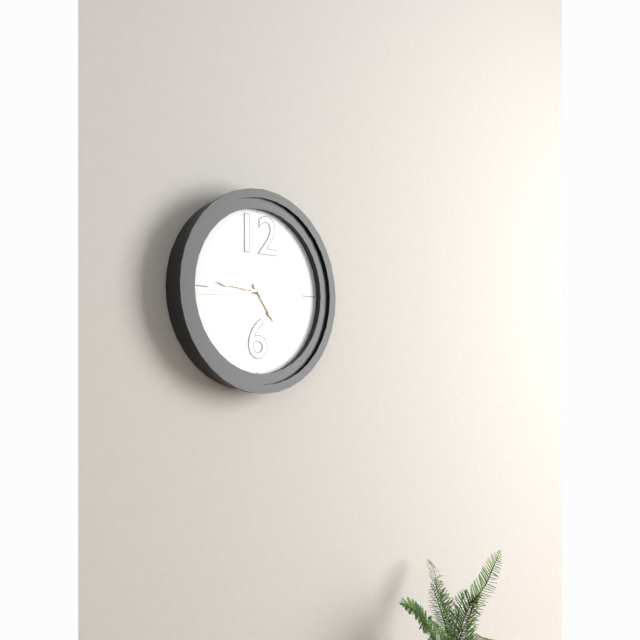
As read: {"hour": 4, "minute": 46, "second": 44}
